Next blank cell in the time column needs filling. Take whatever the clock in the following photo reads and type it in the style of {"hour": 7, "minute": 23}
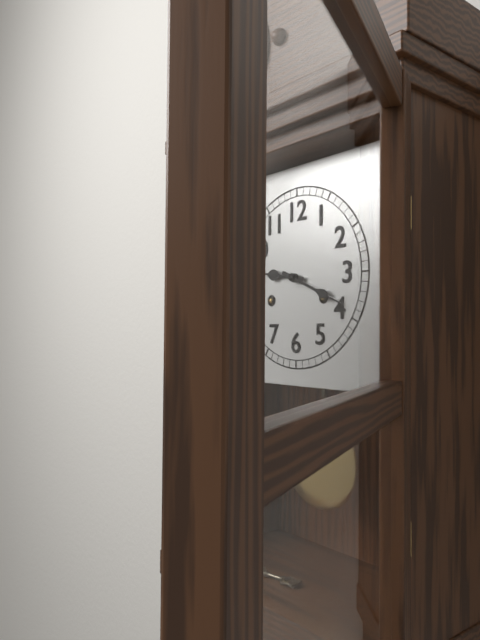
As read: {"hour": 9, "minute": 19}
